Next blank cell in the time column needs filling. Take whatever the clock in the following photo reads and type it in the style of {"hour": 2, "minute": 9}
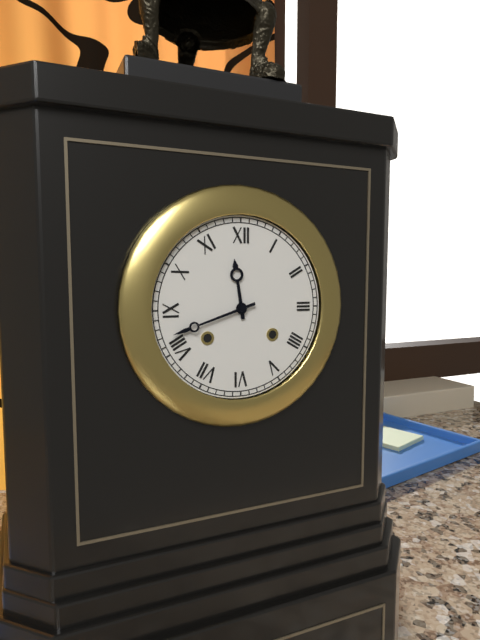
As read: {"hour": 11, "minute": 42}
